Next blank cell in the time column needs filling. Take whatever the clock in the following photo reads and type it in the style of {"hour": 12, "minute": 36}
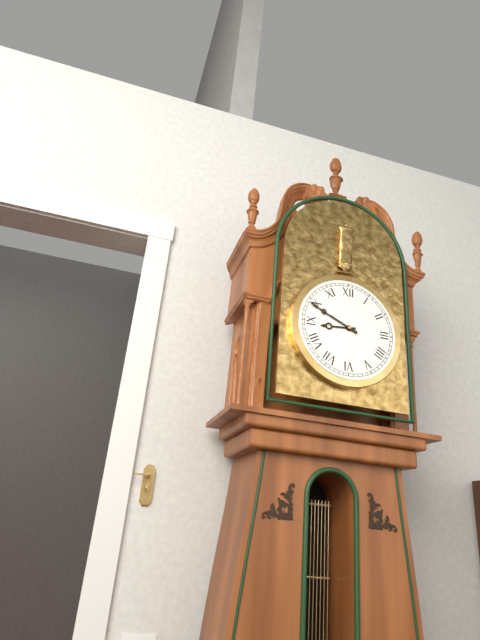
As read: {"hour": 8, "minute": 49}
